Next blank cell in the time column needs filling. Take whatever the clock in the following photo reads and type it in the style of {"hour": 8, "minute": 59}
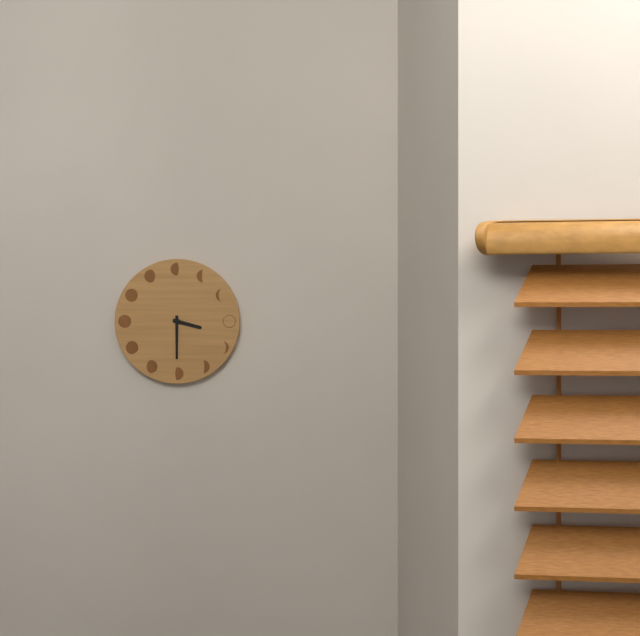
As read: {"hour": 3, "minute": 30}
